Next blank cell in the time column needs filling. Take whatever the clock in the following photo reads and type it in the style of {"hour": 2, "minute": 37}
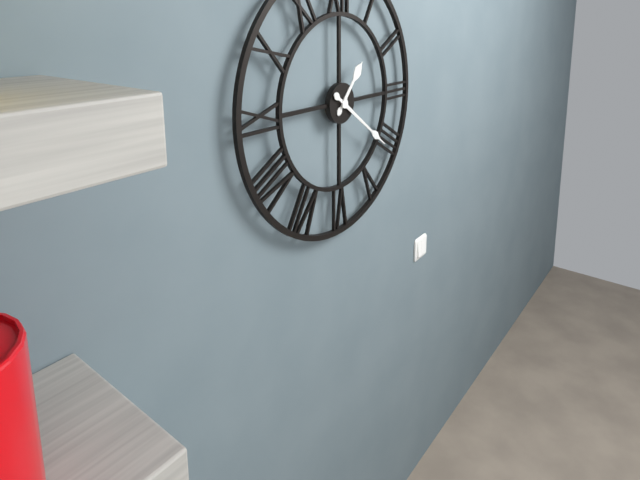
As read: {"hour": 1, "minute": 21}
